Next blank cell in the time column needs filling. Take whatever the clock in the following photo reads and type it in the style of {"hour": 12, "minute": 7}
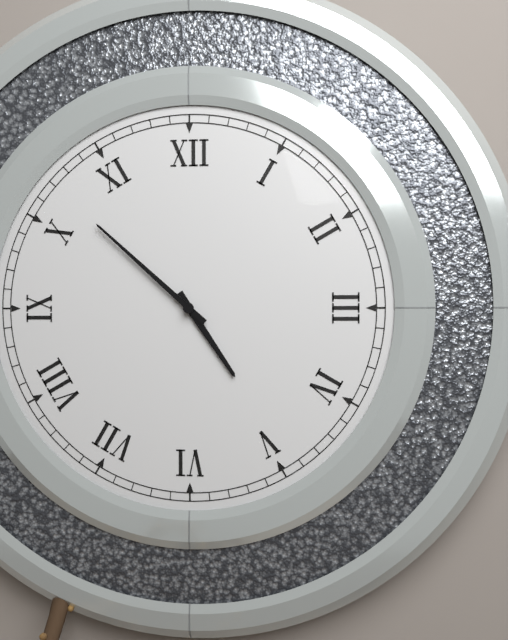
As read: {"hour": 4, "minute": 52}
